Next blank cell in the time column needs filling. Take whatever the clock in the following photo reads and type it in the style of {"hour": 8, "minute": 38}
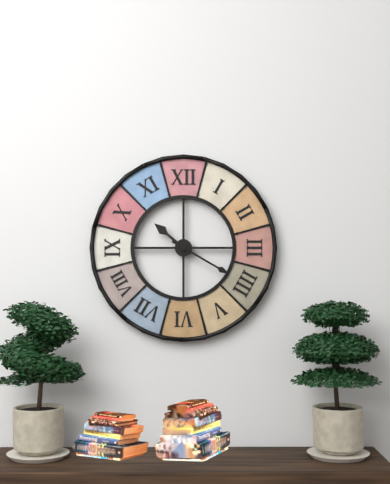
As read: {"hour": 10, "minute": 20}
